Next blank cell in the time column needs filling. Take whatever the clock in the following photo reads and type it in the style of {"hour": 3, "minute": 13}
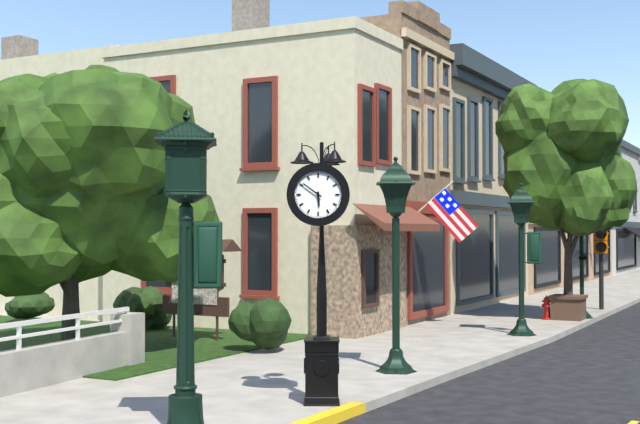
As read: {"hour": 5, "minute": 51}
